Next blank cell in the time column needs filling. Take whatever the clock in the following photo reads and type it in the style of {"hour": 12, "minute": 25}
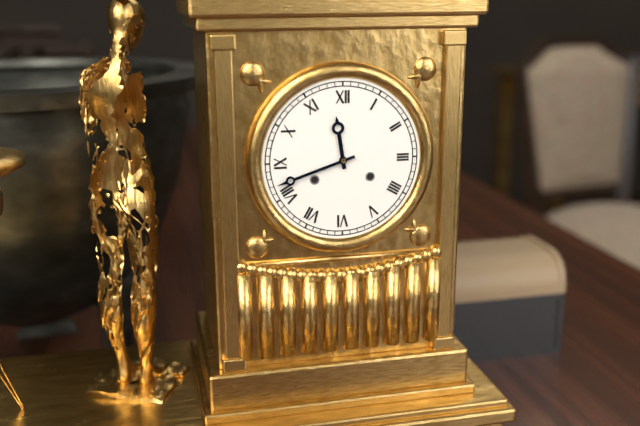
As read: {"hour": 11, "minute": 42}
